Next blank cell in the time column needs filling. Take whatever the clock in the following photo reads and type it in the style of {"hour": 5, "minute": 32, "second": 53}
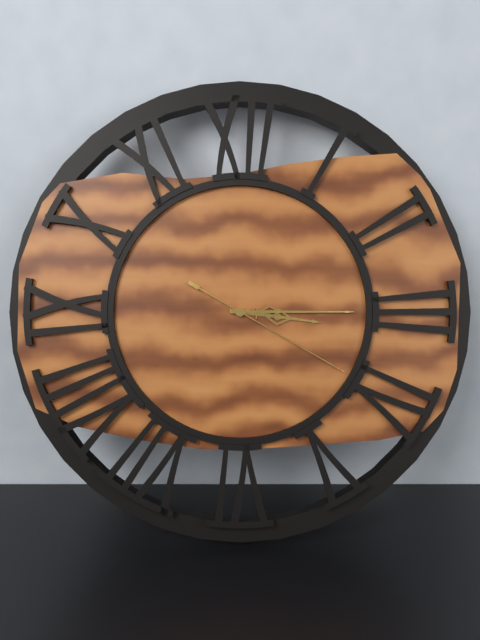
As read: {"hour": 3, "minute": 15, "second": 20}
